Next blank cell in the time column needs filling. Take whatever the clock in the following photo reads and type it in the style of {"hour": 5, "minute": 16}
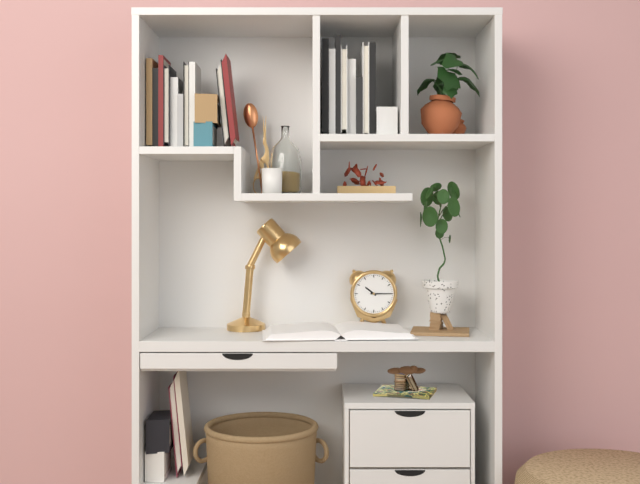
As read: {"hour": 10, "minute": 15}
